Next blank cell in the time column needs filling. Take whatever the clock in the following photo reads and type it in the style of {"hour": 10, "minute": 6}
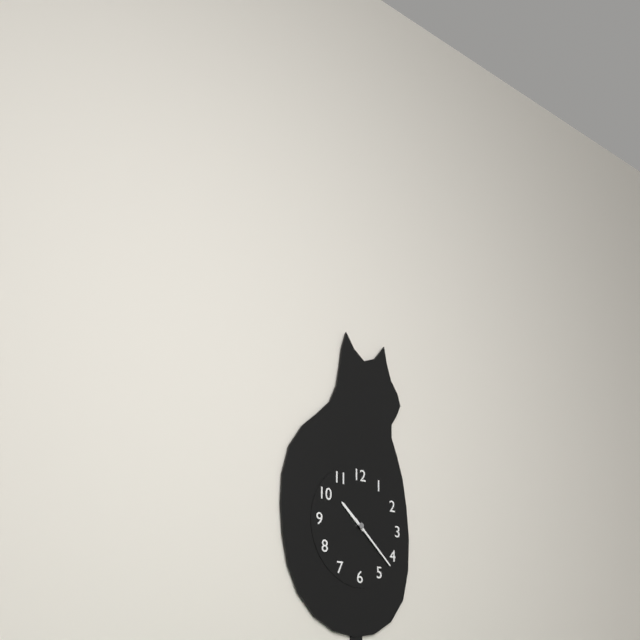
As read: {"hour": 10, "minute": 22}
